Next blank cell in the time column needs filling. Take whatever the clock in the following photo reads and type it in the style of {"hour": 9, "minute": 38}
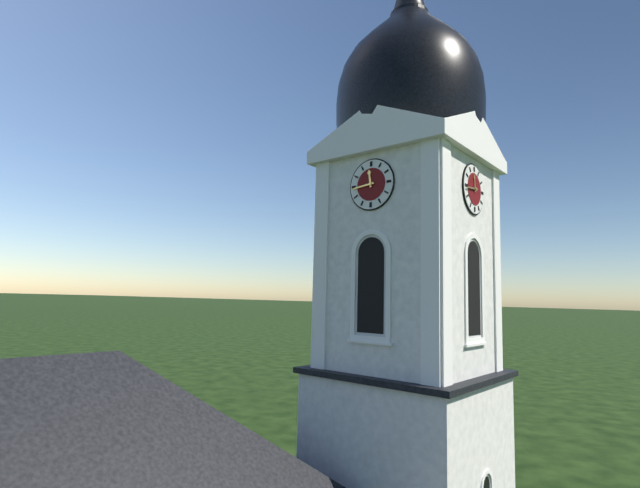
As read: {"hour": 11, "minute": 44}
